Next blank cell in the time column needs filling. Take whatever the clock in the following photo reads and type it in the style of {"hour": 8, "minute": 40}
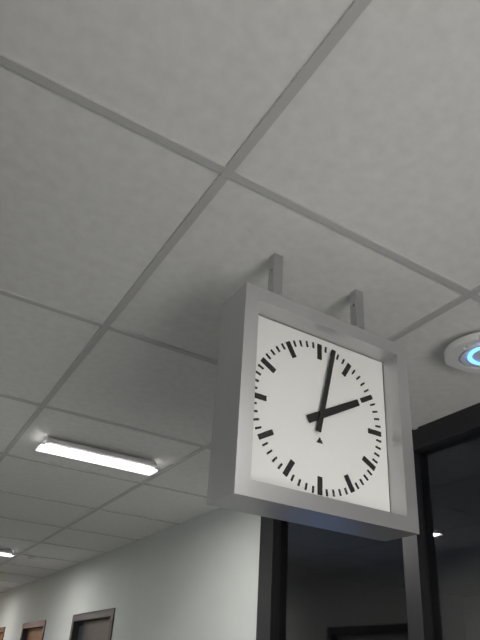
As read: {"hour": 2, "minute": 2}
